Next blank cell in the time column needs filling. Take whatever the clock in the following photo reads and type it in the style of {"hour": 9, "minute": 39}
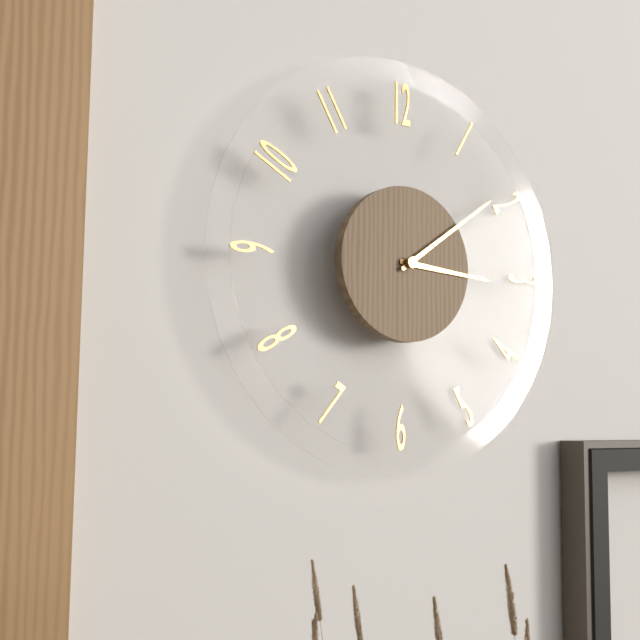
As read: {"hour": 3, "minute": 9}
